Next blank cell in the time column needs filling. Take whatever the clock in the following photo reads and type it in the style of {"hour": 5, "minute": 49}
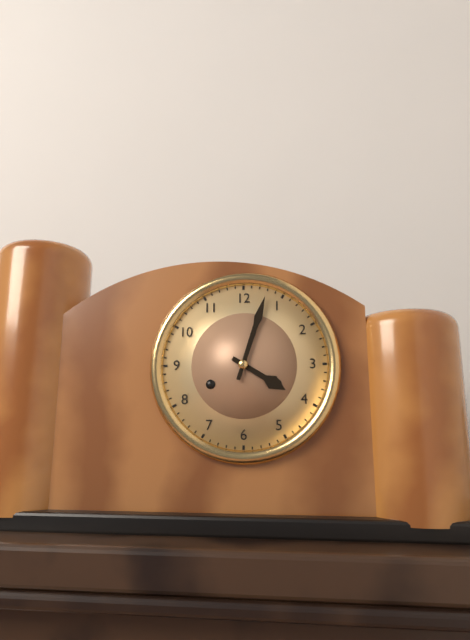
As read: {"hour": 4, "minute": 3}
